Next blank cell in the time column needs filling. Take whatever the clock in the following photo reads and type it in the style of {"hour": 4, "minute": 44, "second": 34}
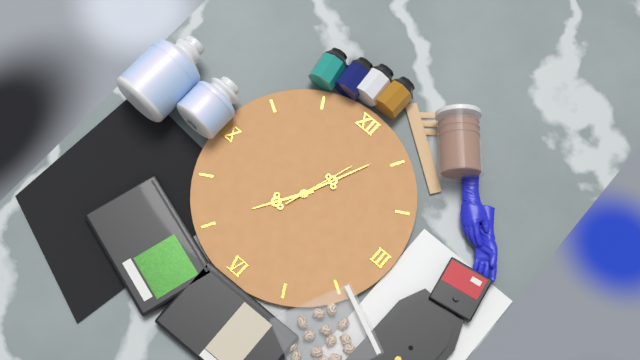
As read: {"hour": 7, "minute": 4, "second": 3}
